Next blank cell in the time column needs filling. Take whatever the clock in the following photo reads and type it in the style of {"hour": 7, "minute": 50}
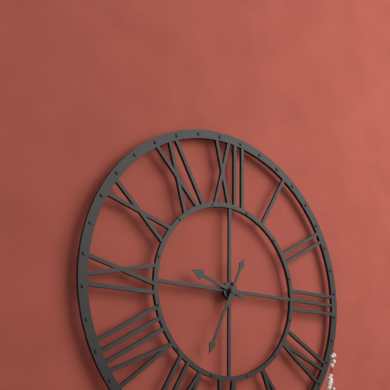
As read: {"hour": 9, "minute": 34}
